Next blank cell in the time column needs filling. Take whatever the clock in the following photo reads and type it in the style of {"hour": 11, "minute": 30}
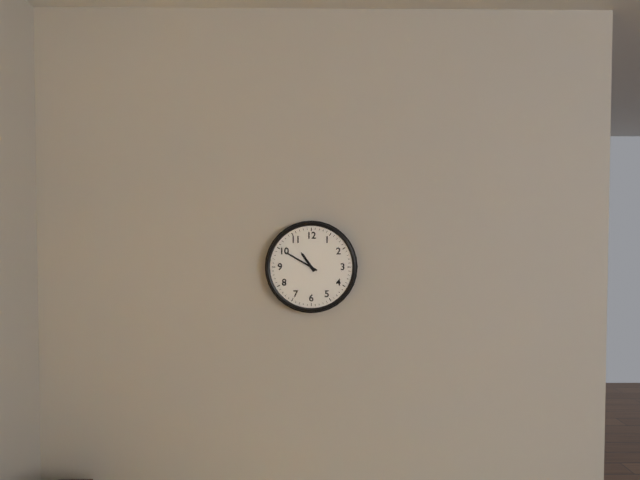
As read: {"hour": 10, "minute": 50}
